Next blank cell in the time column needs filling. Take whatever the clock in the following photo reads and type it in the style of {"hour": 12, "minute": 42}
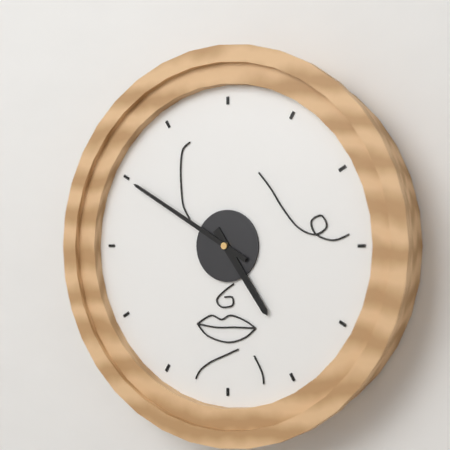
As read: {"hour": 4, "minute": 50}
